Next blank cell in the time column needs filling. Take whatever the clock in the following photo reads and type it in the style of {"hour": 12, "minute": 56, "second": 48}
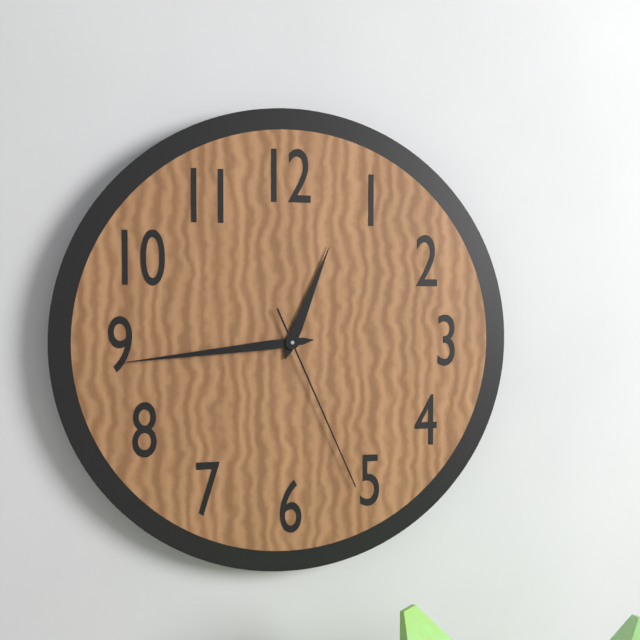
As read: {"hour": 12, "minute": 44, "second": 26}
